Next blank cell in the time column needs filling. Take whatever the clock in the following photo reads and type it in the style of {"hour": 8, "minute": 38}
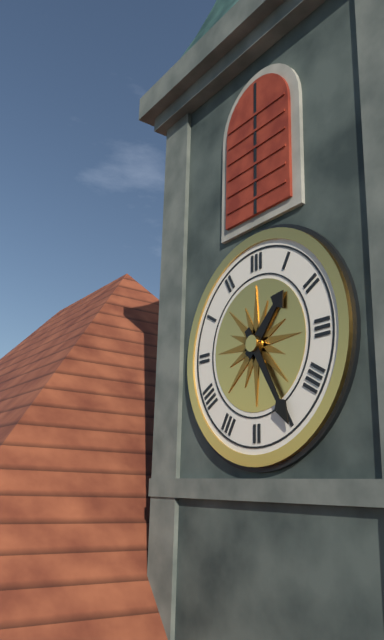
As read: {"hour": 1, "minute": 25}
